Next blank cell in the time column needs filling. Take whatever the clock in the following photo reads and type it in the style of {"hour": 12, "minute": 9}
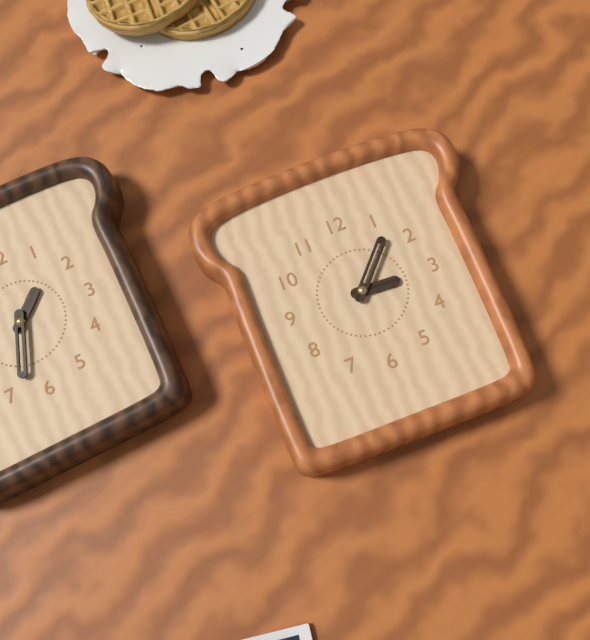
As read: {"hour": 3, "minute": 7}
